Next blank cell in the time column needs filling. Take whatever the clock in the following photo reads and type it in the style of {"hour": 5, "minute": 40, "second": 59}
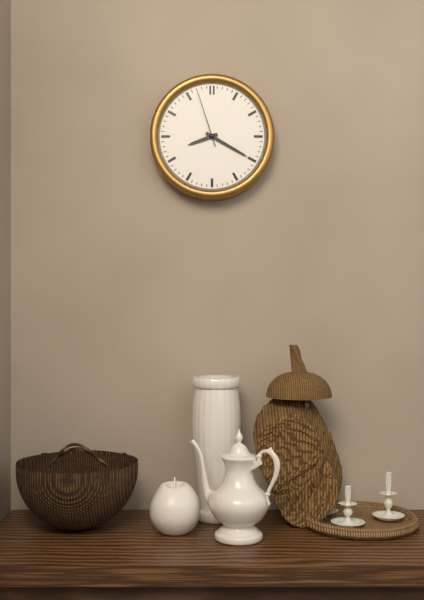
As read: {"hour": 8, "minute": 20, "second": 57}
